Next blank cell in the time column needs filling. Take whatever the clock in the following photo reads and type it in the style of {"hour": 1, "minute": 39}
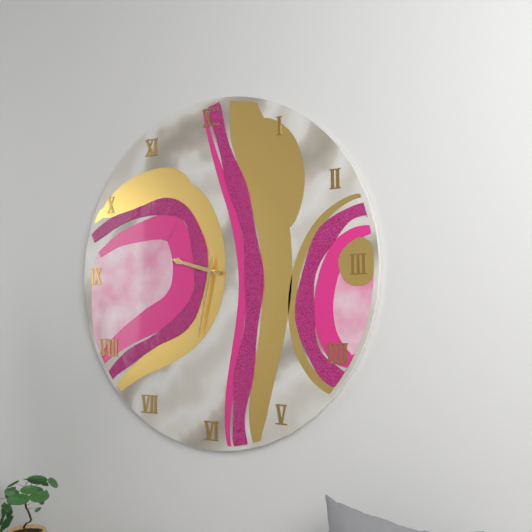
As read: {"hour": 9, "minute": 32}
